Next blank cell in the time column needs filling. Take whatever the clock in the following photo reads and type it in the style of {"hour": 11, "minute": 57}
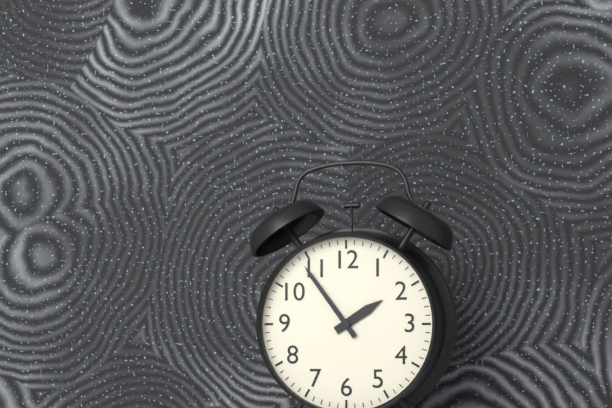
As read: {"hour": 1, "minute": 54}
